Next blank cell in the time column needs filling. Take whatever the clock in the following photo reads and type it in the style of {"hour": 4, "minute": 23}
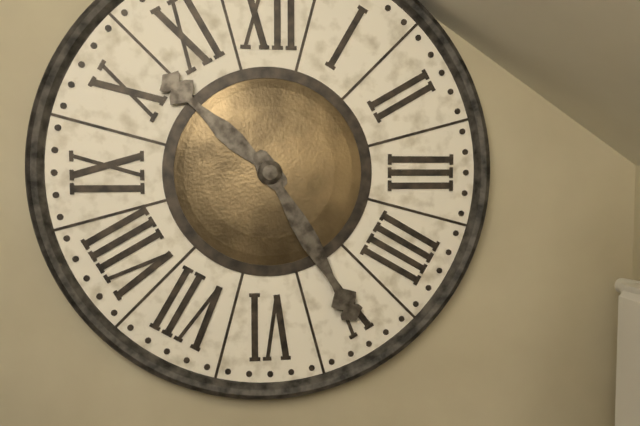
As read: {"hour": 10, "minute": 25}
